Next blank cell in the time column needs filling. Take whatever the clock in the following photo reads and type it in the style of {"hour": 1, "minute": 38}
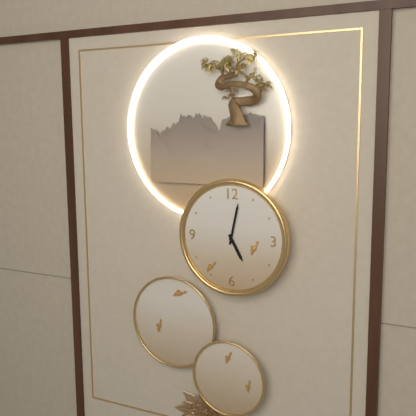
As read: {"hour": 5, "minute": 2}
